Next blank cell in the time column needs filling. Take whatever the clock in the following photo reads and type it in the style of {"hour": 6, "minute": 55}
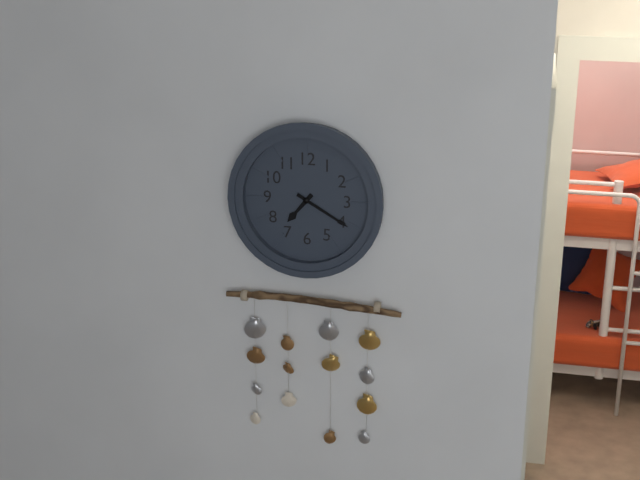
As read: {"hour": 7, "minute": 20}
